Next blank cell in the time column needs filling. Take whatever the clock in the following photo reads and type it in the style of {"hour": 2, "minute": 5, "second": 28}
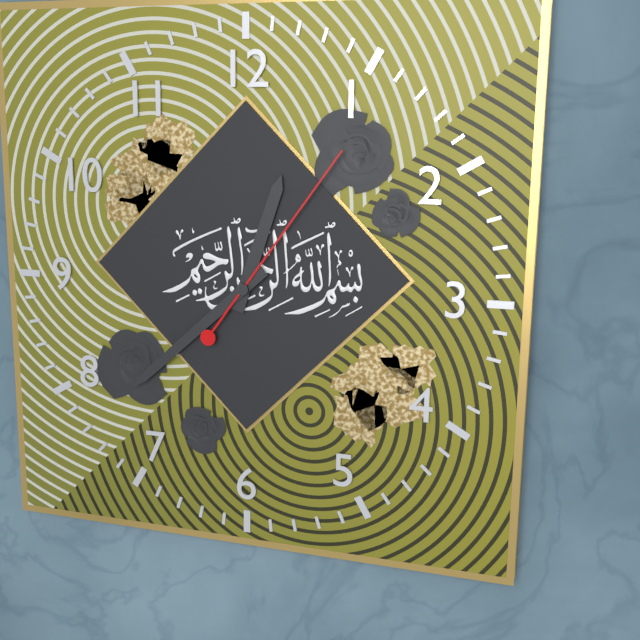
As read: {"hour": 12, "minute": 38, "second": 6}
